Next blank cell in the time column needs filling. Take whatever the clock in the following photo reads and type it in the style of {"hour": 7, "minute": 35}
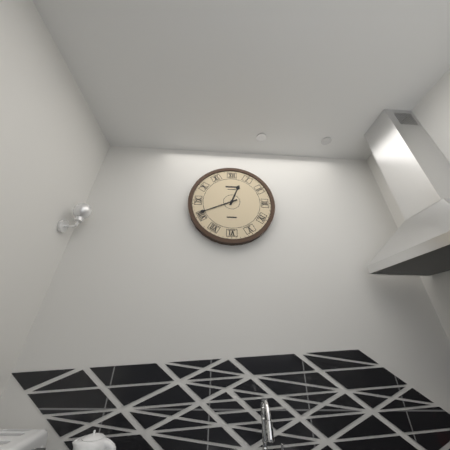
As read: {"hour": 12, "minute": 41}
